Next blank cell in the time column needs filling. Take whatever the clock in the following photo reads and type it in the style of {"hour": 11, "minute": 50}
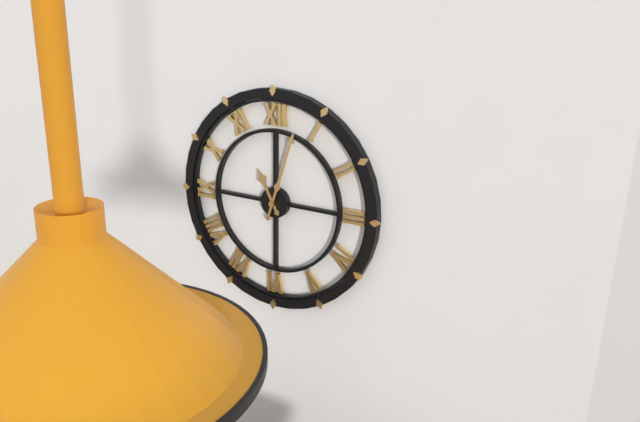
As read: {"hour": 11, "minute": 3}
